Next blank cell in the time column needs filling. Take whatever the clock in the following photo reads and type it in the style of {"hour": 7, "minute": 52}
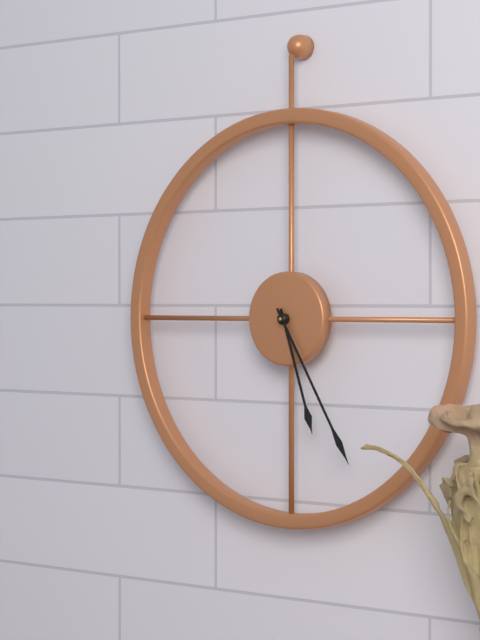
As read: {"hour": 5, "minute": 25}
